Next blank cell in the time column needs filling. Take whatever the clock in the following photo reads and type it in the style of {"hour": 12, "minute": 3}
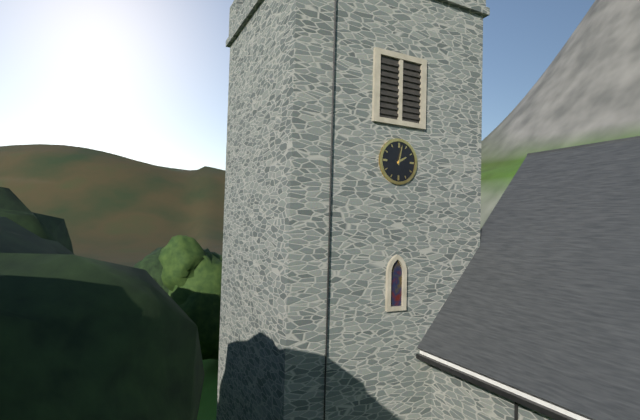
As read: {"hour": 2, "minute": 2}
